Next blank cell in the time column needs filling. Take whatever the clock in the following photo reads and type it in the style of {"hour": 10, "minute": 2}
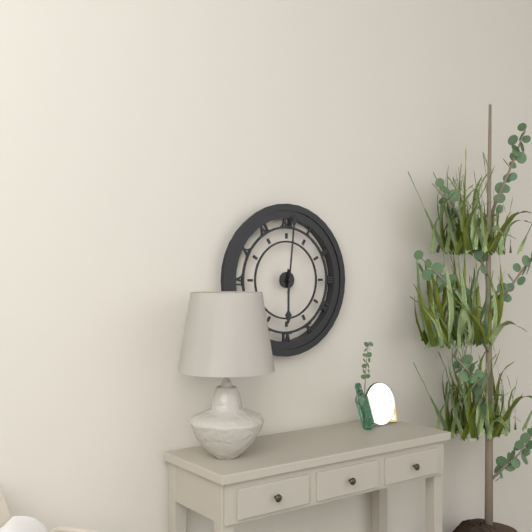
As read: {"hour": 6, "minute": 1}
